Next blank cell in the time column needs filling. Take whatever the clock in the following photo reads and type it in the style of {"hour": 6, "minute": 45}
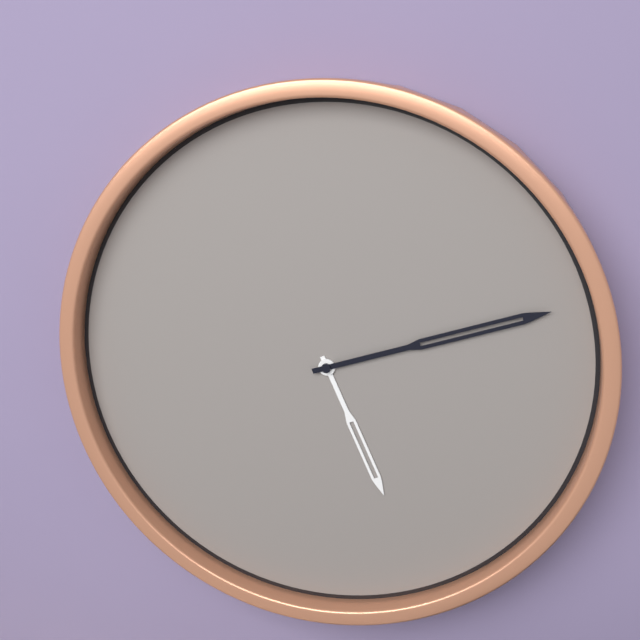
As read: {"hour": 5, "minute": 12}
